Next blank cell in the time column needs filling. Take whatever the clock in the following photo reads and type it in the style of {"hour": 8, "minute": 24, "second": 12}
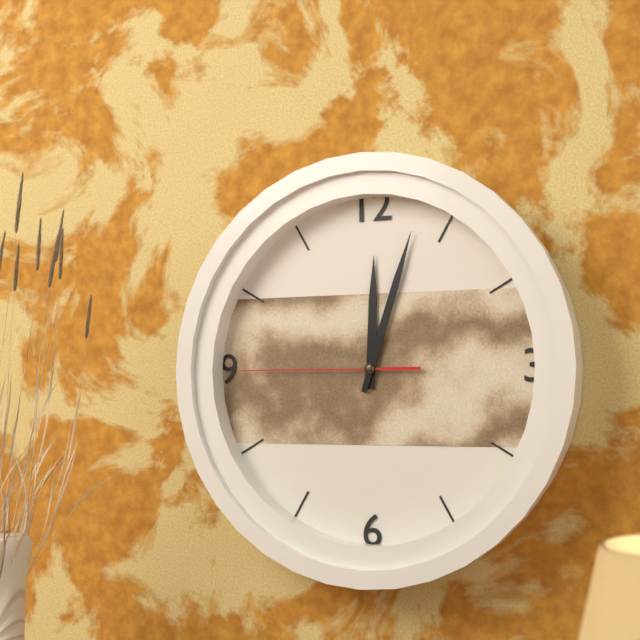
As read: {"hour": 12, "minute": 3, "second": 45}
